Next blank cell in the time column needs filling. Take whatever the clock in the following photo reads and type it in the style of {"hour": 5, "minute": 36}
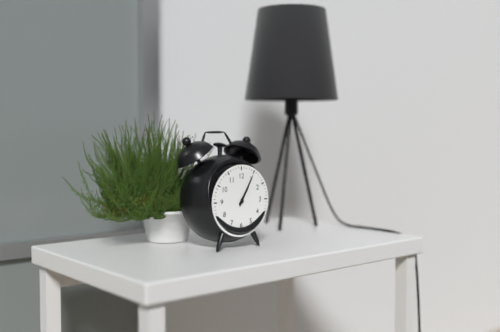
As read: {"hour": 1, "minute": 5}
